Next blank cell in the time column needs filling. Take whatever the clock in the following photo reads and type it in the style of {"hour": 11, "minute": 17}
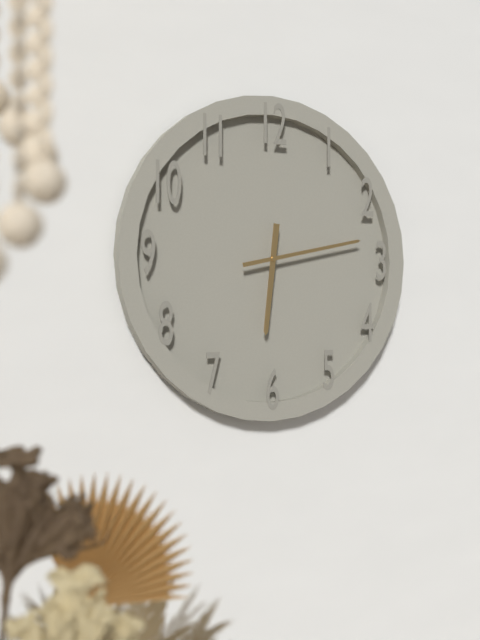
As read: {"hour": 6, "minute": 13}
